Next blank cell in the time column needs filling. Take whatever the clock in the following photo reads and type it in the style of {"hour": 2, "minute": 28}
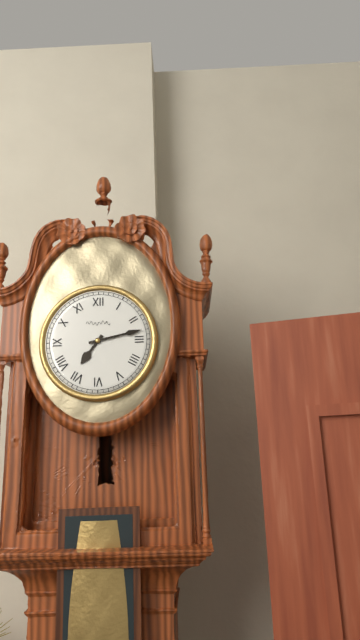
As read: {"hour": 7, "minute": 13}
